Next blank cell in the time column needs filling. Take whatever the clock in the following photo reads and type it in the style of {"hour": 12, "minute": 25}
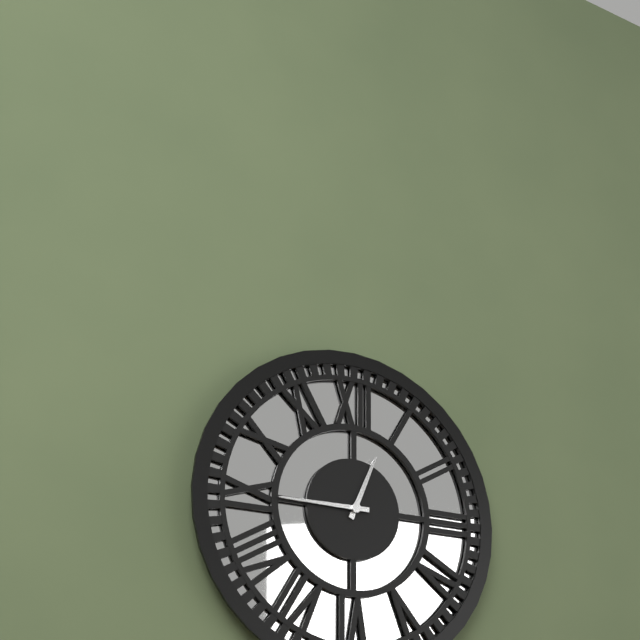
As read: {"hour": 12, "minute": 45}
